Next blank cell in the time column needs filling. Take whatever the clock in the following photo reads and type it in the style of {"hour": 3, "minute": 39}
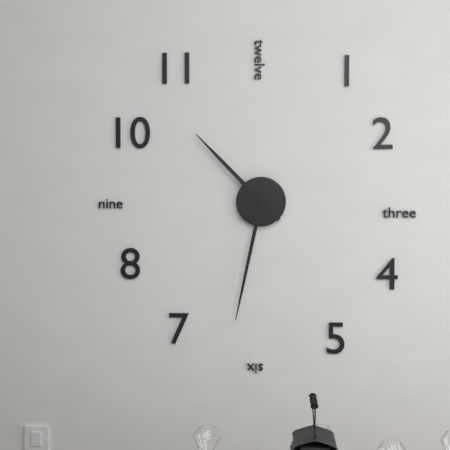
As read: {"hour": 10, "minute": 32}
